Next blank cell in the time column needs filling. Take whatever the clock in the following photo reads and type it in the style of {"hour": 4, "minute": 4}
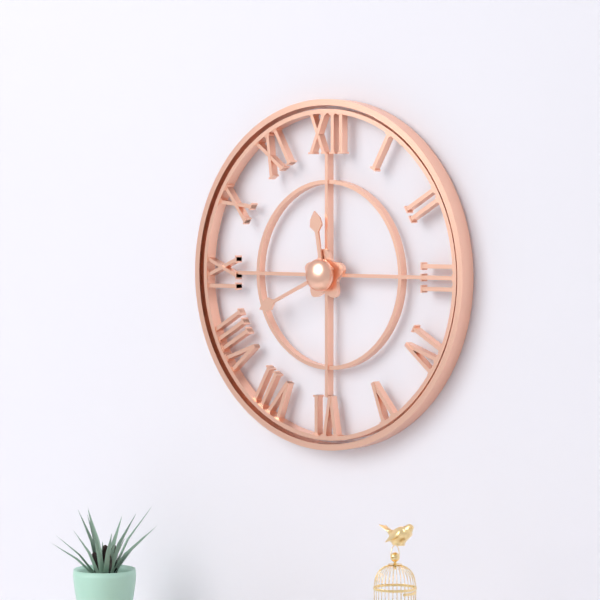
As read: {"hour": 11, "minute": 41}
